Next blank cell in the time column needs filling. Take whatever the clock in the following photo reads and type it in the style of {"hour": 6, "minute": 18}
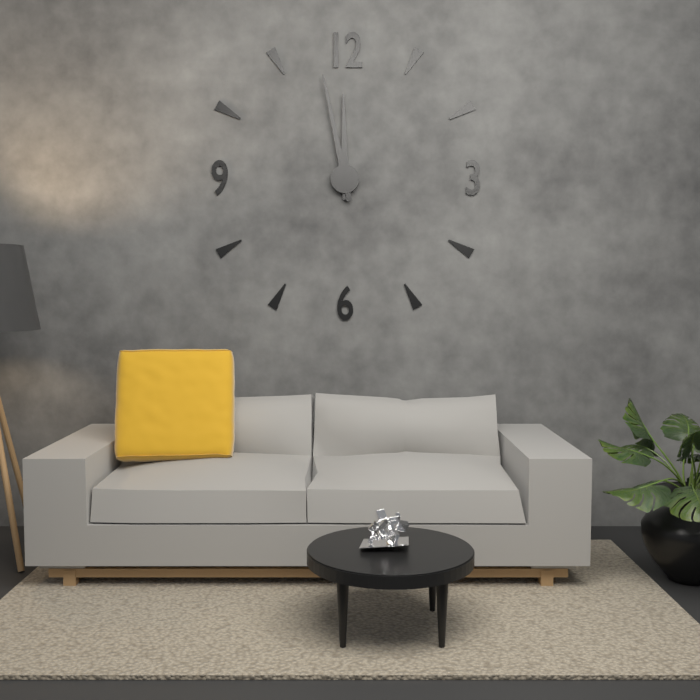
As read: {"hour": 11, "minute": 58}
